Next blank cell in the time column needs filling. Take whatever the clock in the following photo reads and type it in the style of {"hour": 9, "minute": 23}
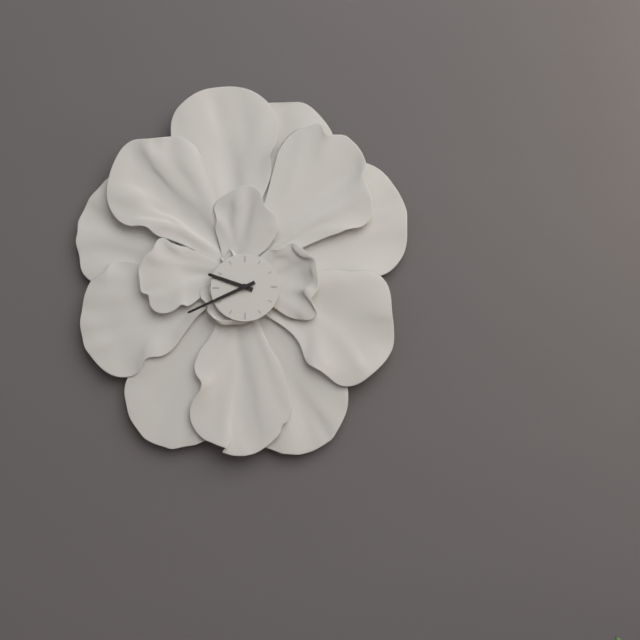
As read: {"hour": 9, "minute": 41}
